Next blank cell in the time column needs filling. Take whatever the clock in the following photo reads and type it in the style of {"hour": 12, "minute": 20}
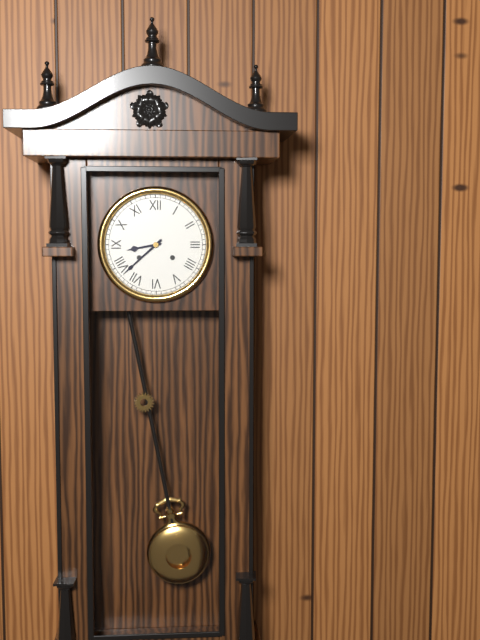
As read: {"hour": 8, "minute": 38}
